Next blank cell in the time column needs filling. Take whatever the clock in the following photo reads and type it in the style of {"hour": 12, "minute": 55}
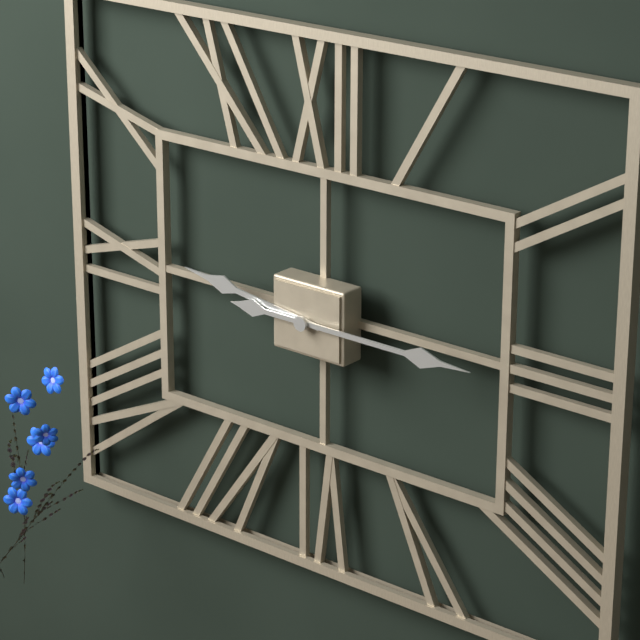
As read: {"hour": 9, "minute": 15}
